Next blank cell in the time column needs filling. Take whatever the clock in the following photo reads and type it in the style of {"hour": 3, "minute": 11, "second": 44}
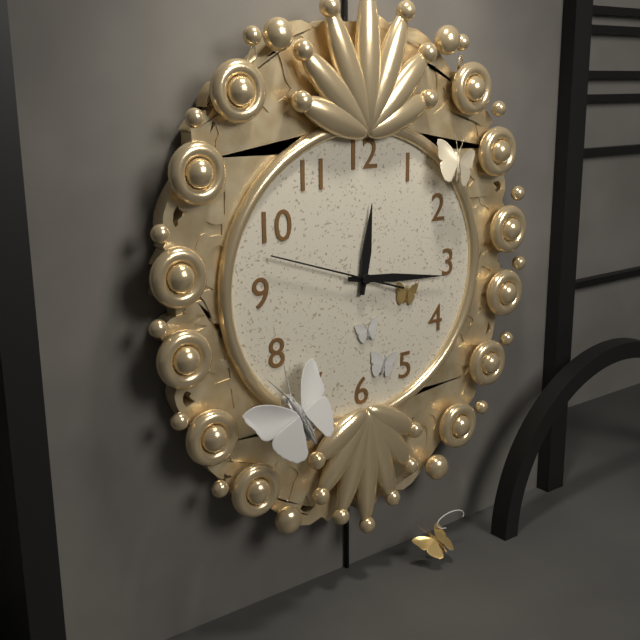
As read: {"hour": 12, "minute": 16, "second": 48}
